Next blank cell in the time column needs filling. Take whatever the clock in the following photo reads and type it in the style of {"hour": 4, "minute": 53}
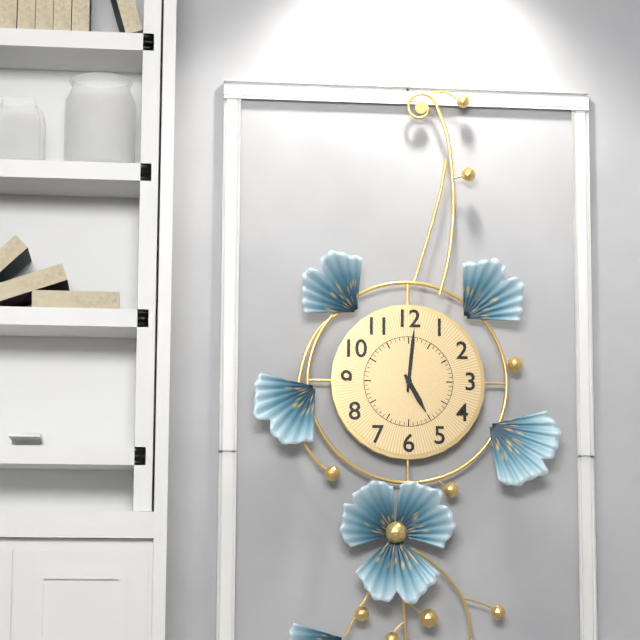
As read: {"hour": 5, "minute": 1}
